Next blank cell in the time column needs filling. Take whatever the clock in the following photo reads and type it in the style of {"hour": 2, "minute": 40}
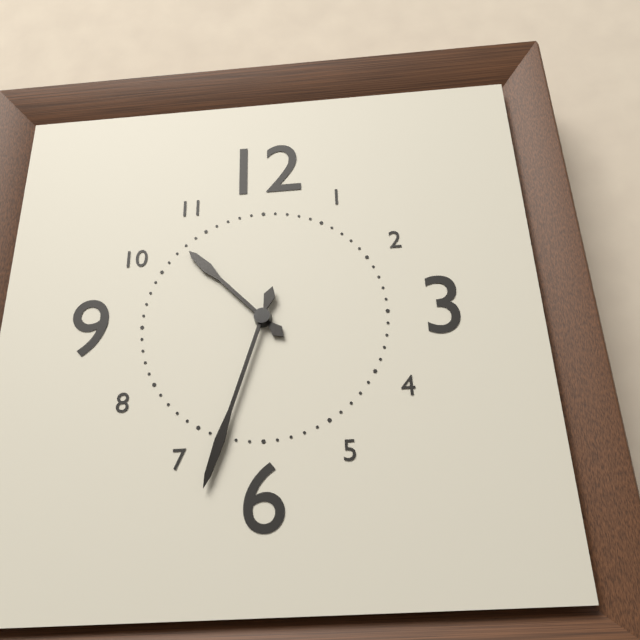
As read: {"hour": 10, "minute": 33}
